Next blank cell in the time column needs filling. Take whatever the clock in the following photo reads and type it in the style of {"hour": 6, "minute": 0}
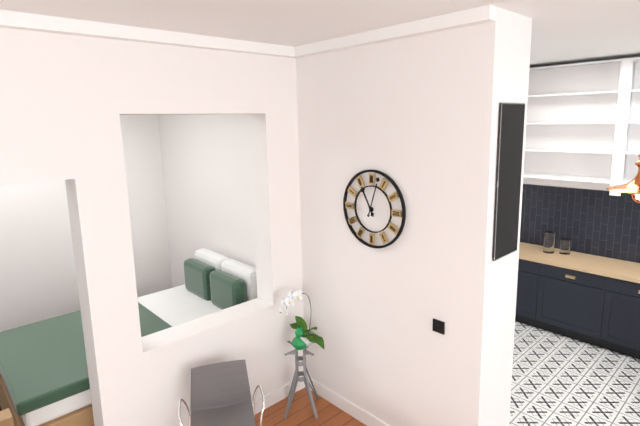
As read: {"hour": 11, "minute": 3}
